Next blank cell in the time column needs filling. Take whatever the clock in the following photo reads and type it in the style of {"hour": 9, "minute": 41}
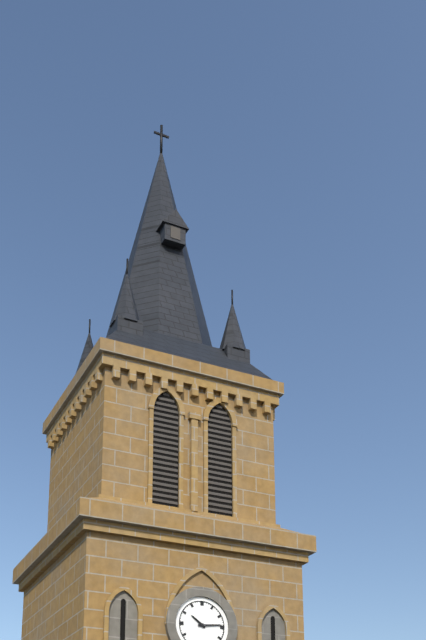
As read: {"hour": 10, "minute": 14}
